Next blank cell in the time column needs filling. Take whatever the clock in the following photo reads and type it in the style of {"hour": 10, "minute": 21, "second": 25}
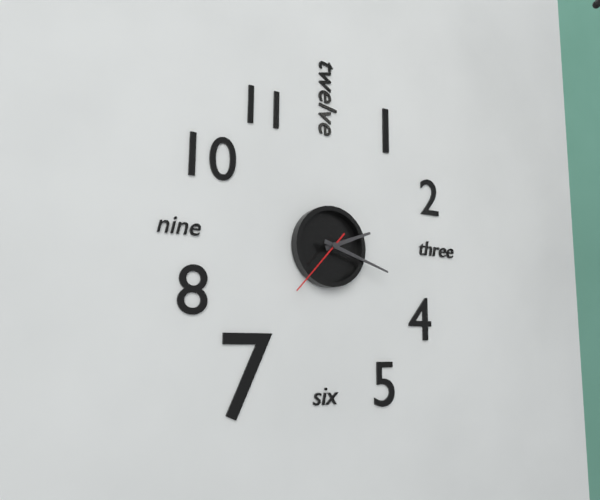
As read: {"hour": 2, "minute": 18, "second": 37}
